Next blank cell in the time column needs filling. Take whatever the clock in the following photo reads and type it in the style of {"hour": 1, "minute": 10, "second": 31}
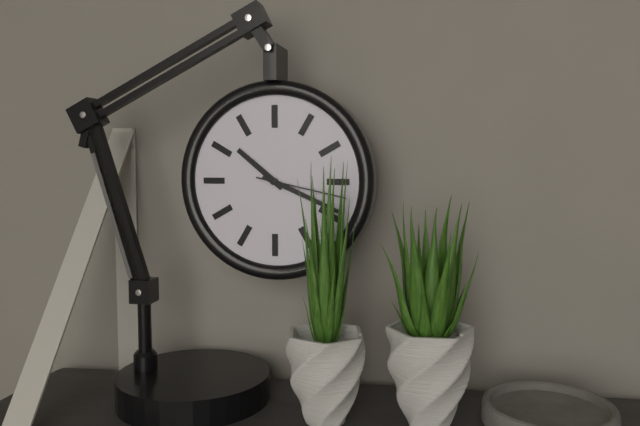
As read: {"hour": 10, "minute": 19, "second": 17}
